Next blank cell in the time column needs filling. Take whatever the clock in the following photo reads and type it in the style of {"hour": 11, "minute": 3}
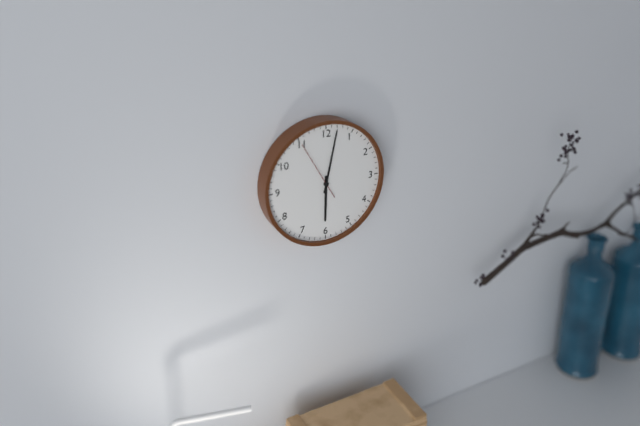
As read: {"hour": 6, "minute": 2}
